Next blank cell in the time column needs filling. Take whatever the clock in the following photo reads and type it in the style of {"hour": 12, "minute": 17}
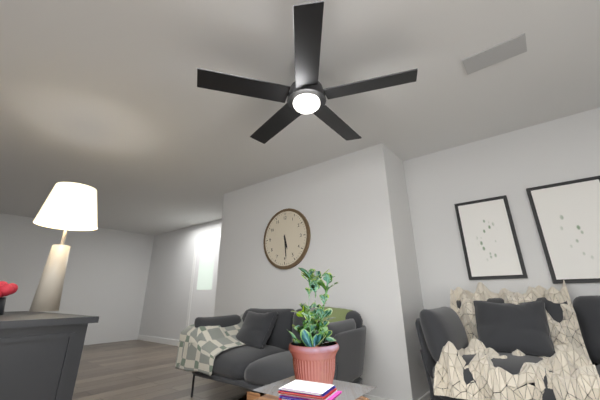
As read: {"hour": 5, "minute": 29}
